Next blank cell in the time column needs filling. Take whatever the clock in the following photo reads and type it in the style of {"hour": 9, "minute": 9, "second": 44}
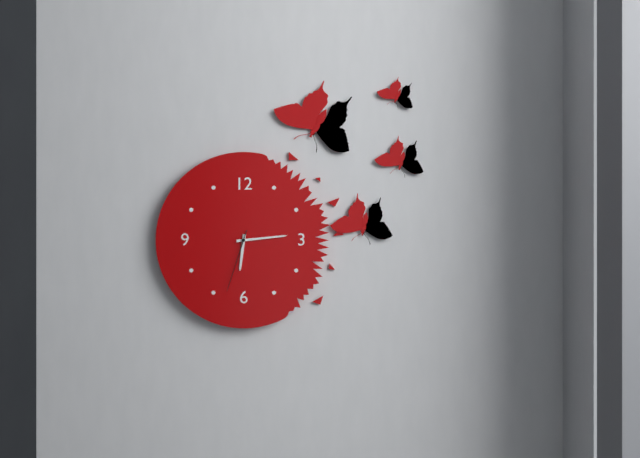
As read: {"hour": 6, "minute": 14, "second": 33}
